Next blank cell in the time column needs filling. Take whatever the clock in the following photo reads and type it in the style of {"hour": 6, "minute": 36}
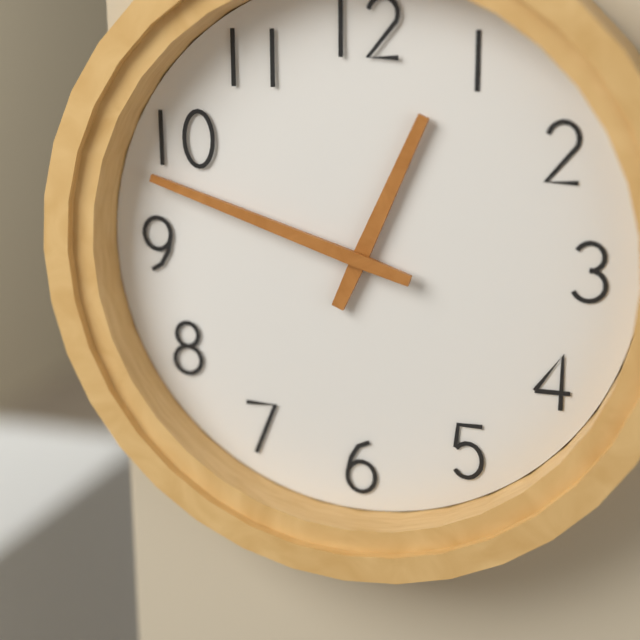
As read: {"hour": 12, "minute": 48}
